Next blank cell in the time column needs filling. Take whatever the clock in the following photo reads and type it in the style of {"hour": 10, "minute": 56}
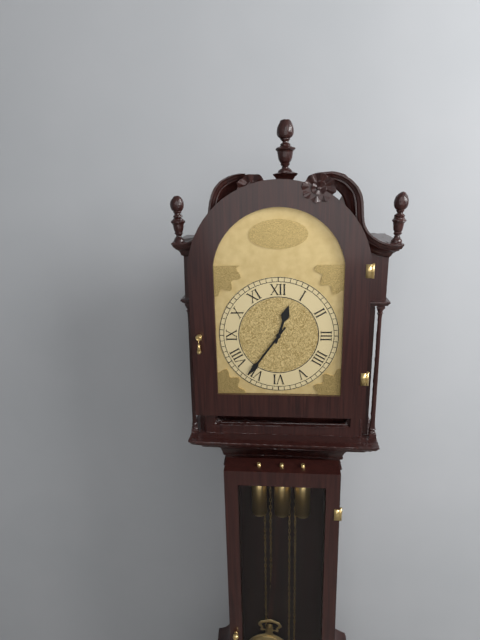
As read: {"hour": 12, "minute": 36}
